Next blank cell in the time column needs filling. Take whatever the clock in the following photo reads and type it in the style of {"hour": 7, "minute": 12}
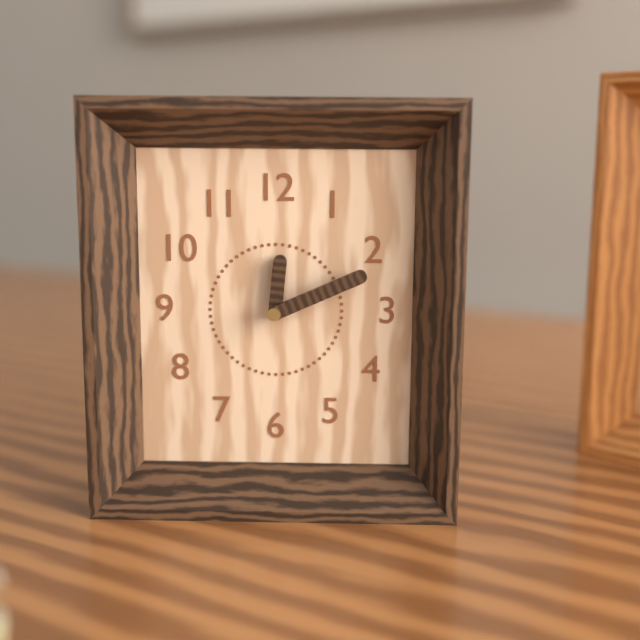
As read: {"hour": 12, "minute": 11}
